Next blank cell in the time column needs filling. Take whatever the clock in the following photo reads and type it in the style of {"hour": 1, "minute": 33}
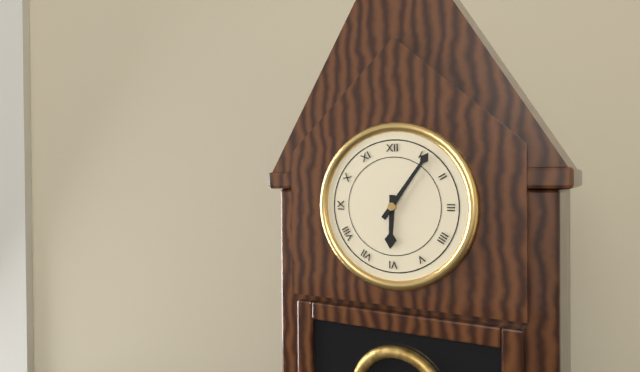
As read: {"hour": 6, "minute": 6}
